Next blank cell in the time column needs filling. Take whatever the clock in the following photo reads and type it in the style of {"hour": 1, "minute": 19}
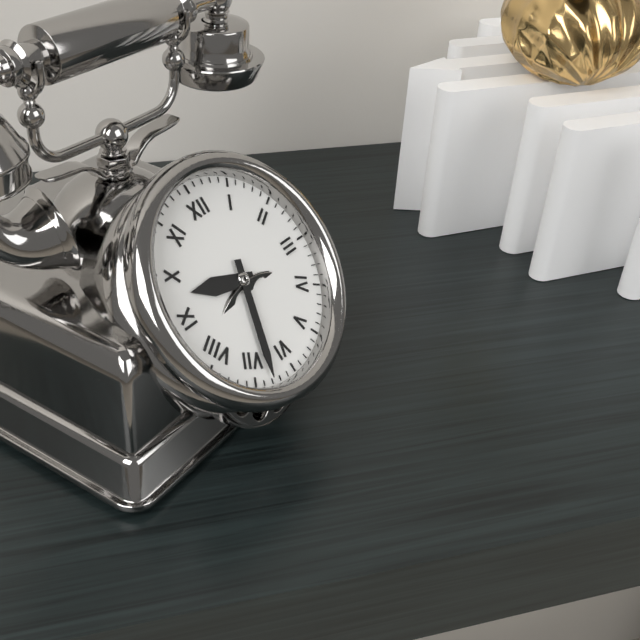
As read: {"hour": 9, "minute": 33}
